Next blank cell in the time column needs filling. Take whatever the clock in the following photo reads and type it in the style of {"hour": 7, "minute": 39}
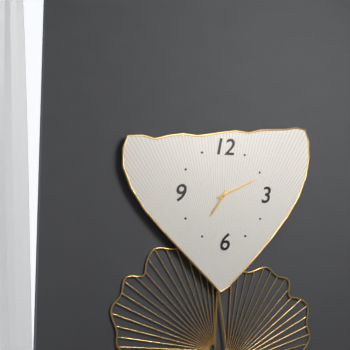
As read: {"hour": 7, "minute": 11}
